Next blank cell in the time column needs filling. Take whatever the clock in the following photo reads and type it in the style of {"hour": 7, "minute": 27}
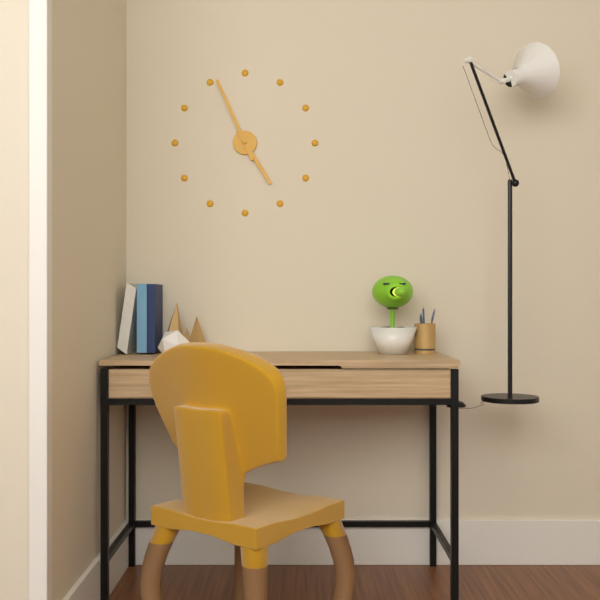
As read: {"hour": 4, "minute": 56}
